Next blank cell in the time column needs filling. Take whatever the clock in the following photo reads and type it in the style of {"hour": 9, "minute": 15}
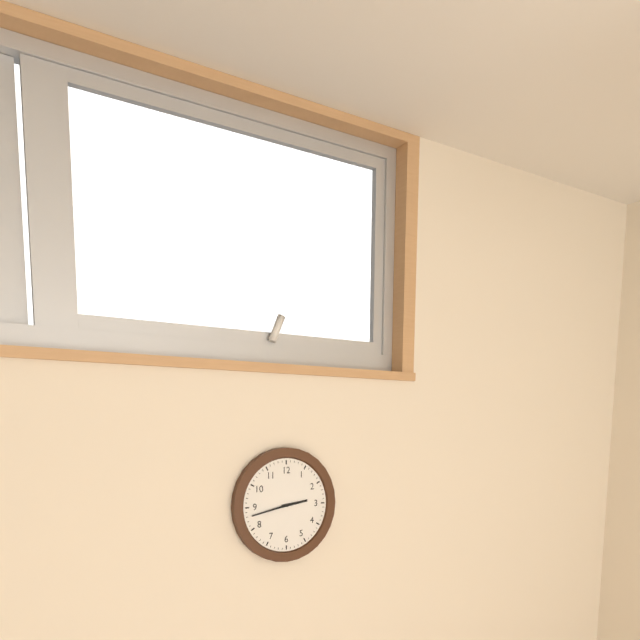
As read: {"hour": 2, "minute": 43}
